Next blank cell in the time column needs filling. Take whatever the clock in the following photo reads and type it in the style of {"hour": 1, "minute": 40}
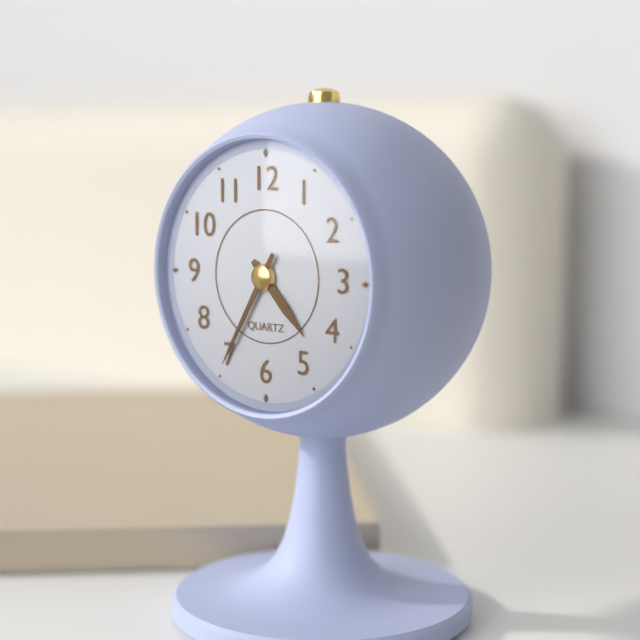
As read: {"hour": 4, "minute": 35}
